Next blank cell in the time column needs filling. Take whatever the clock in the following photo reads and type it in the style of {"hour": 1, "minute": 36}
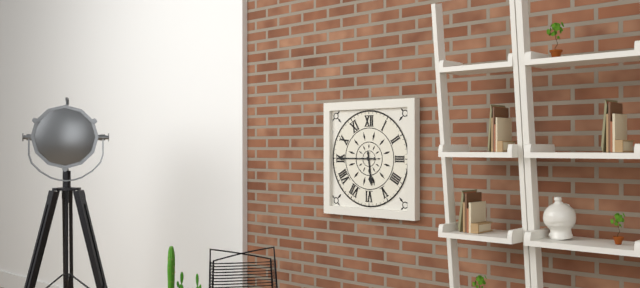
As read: {"hour": 5, "minute": 45}
